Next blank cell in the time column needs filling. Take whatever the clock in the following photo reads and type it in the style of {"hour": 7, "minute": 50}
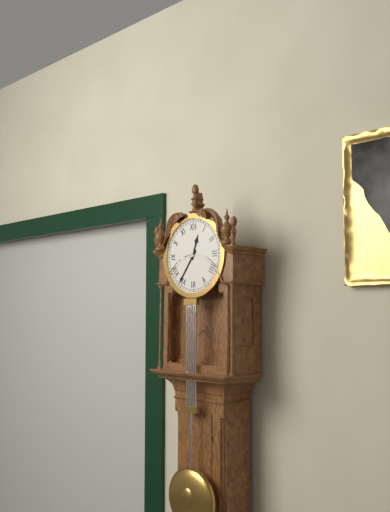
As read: {"hour": 12, "minute": 36}
